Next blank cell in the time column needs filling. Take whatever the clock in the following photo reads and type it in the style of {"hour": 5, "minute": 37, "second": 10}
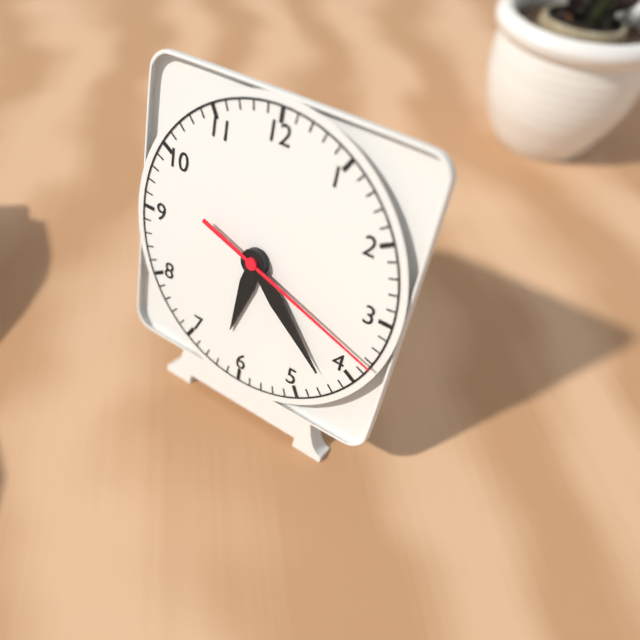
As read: {"hour": 6, "minute": 22, "second": 18}
